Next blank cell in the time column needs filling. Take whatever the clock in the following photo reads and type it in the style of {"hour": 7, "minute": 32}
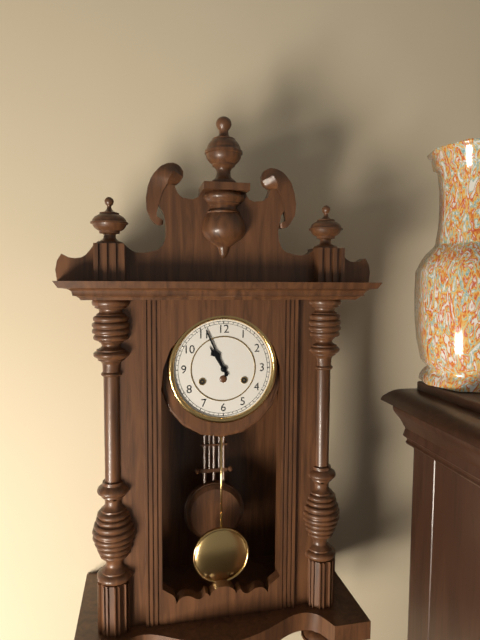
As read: {"hour": 10, "minute": 56}
